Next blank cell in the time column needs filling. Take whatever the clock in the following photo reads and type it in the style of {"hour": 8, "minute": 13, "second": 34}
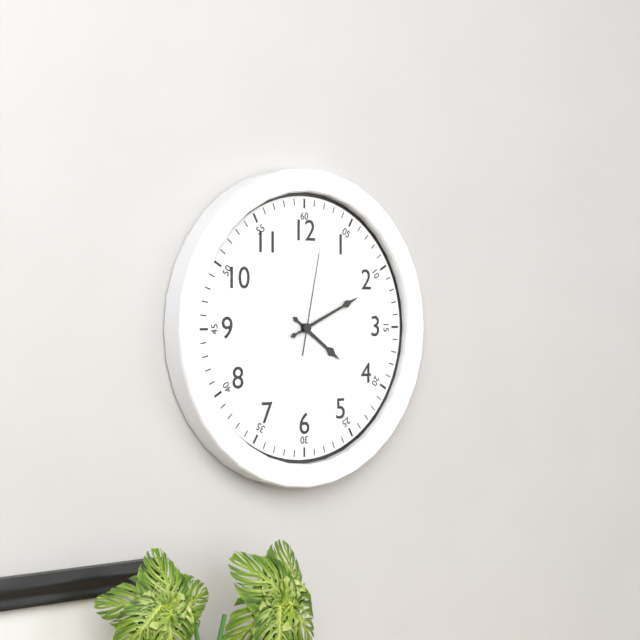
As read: {"hour": 4, "minute": 11, "second": 2}
